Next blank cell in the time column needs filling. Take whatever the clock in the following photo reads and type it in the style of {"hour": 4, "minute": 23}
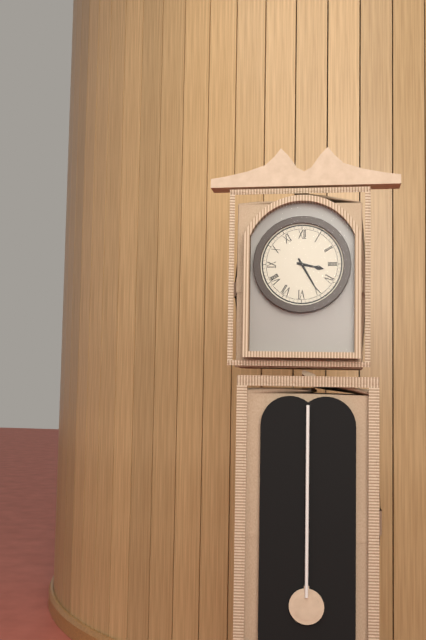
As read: {"hour": 3, "minute": 25}
